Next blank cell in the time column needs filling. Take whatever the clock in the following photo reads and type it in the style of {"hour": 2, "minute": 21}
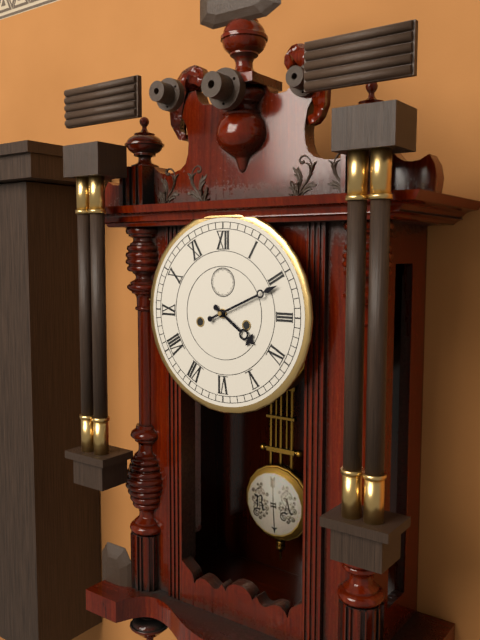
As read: {"hour": 4, "minute": 11}
